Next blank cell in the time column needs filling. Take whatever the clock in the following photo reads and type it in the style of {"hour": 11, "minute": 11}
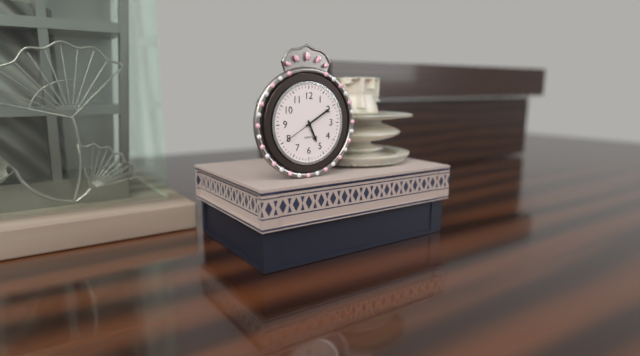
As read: {"hour": 5, "minute": 10}
